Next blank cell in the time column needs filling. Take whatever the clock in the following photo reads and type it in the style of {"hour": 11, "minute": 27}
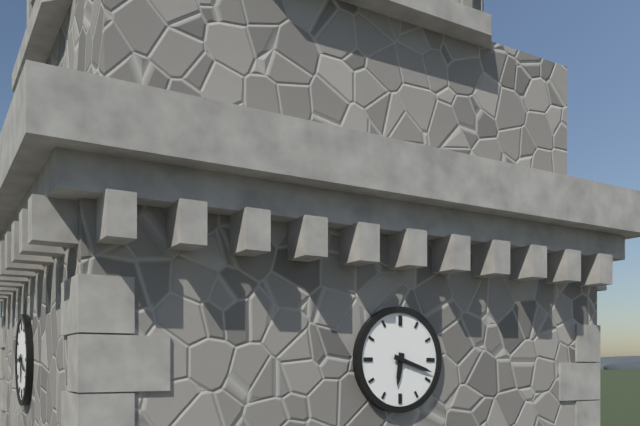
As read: {"hour": 6, "minute": 18}
